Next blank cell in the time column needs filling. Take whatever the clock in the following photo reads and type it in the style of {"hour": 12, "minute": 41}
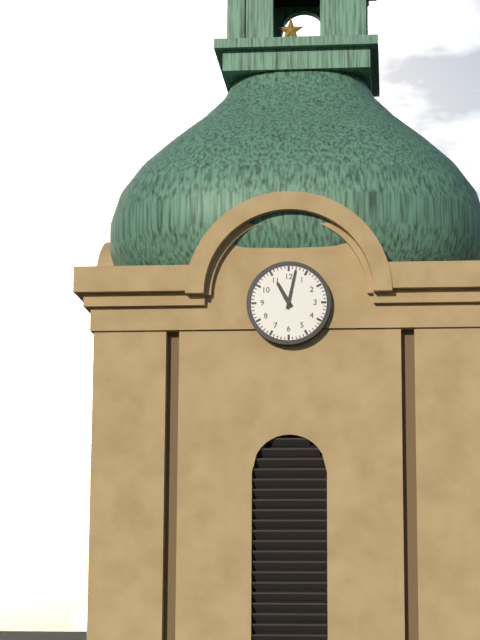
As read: {"hour": 11, "minute": 2}
